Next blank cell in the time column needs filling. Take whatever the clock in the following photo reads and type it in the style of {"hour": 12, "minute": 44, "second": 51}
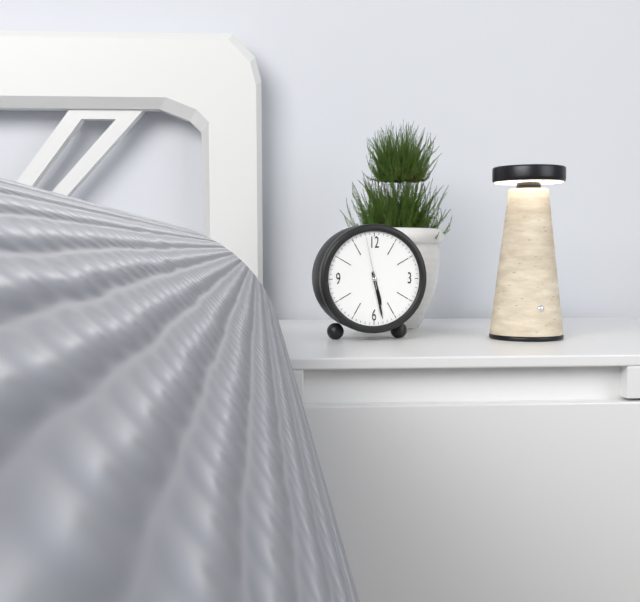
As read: {"hour": 5, "minute": 28, "second": 58}
